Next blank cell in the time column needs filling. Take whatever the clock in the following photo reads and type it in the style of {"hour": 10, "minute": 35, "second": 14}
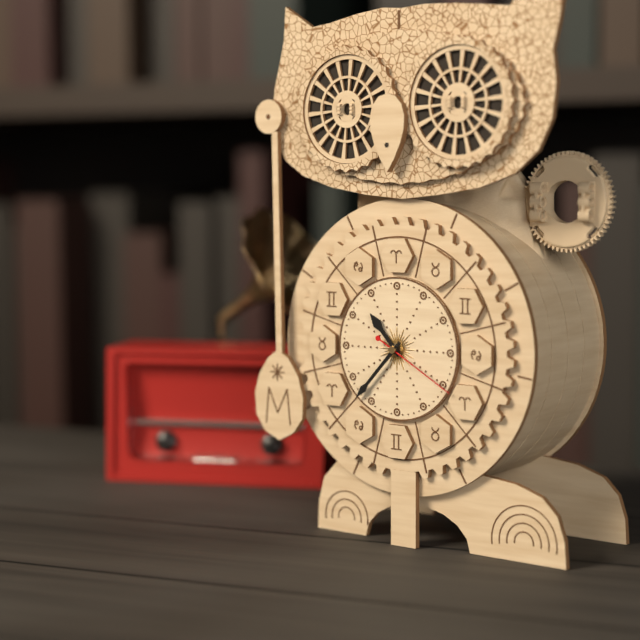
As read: {"hour": 10, "minute": 37, "second": 20}
